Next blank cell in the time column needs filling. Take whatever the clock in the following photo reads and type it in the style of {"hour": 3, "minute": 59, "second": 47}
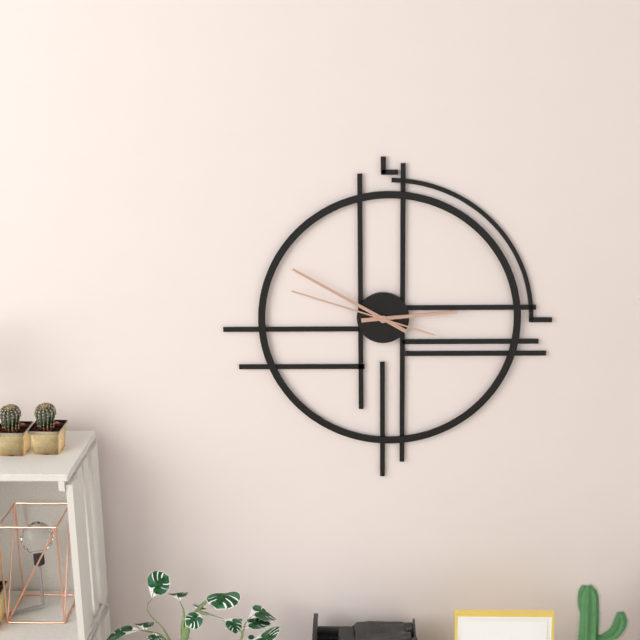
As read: {"hour": 2, "minute": 50, "second": 48}
